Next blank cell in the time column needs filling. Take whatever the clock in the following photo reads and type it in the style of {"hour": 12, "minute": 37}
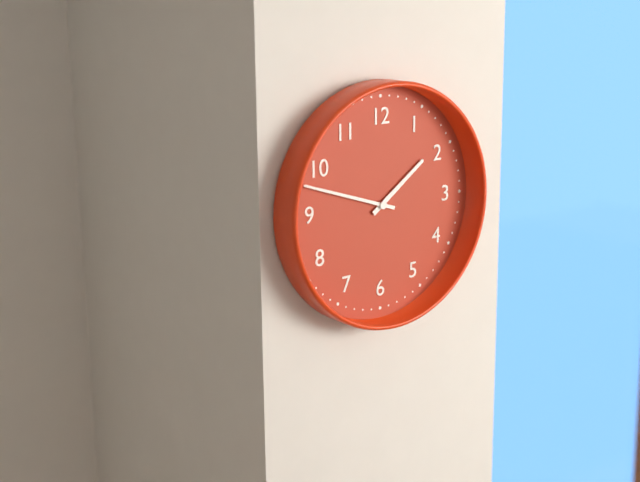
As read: {"hour": 1, "minute": 48}
